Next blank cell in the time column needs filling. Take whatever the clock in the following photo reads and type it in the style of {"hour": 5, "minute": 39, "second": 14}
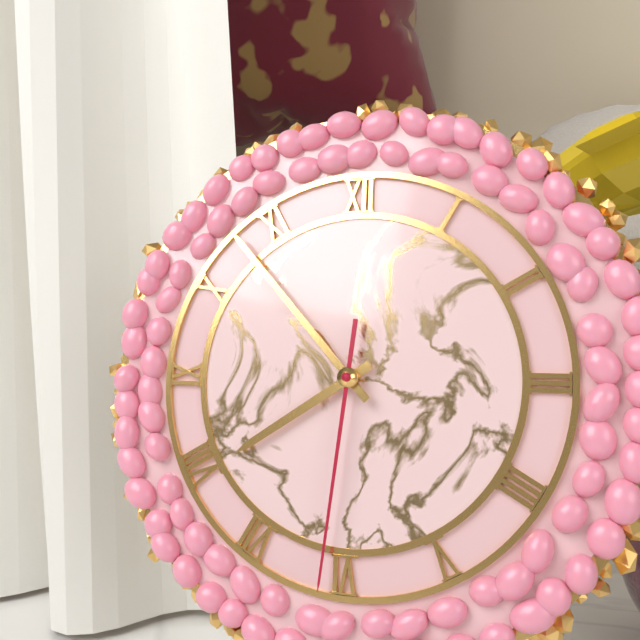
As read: {"hour": 7, "minute": 53, "second": 31}
